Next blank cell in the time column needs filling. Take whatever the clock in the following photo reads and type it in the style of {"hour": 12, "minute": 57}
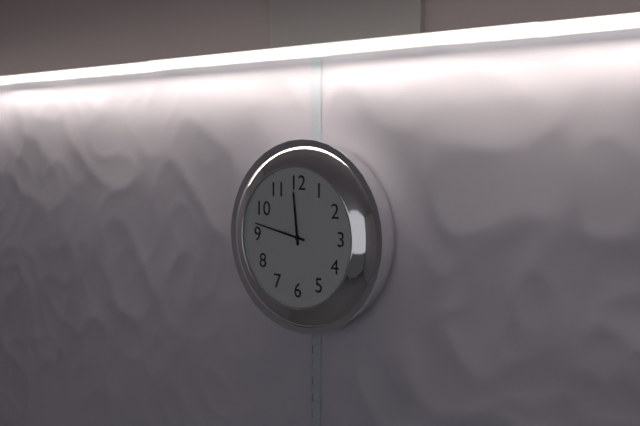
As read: {"hour": 11, "minute": 47}
